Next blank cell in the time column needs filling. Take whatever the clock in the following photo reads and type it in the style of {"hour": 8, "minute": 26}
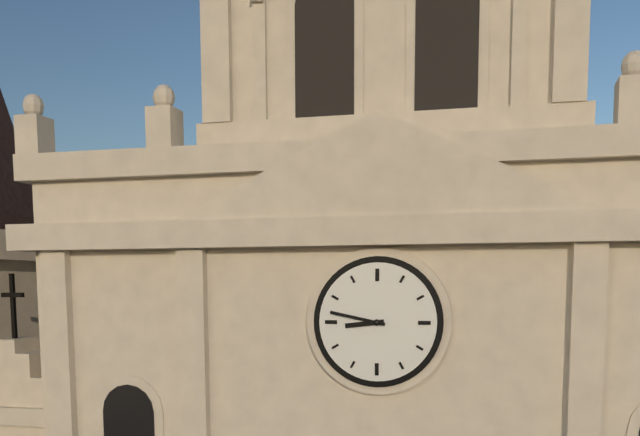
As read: {"hour": 8, "minute": 47}
